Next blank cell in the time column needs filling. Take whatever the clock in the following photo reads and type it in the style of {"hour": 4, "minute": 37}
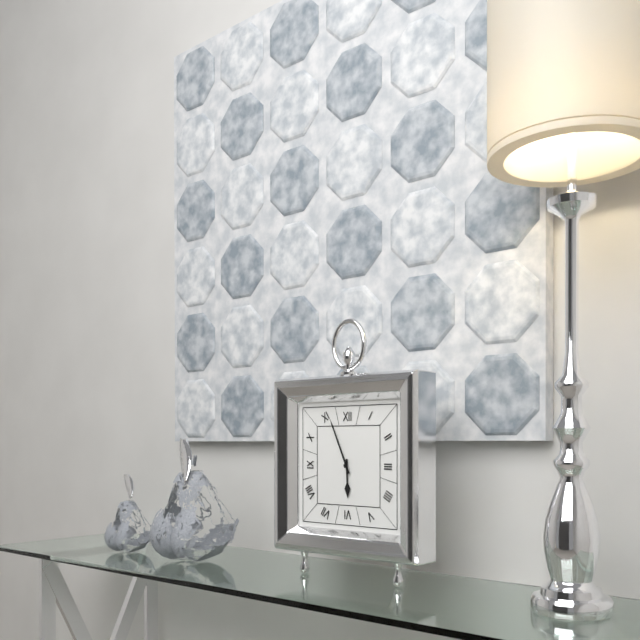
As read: {"hour": 5, "minute": 56}
